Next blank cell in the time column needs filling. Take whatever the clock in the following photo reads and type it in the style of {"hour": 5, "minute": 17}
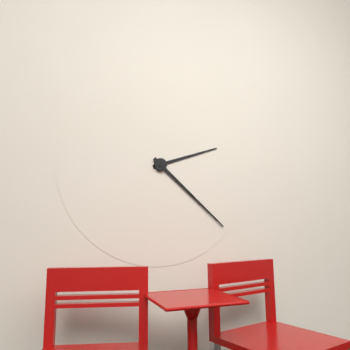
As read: {"hour": 2, "minute": 22}
